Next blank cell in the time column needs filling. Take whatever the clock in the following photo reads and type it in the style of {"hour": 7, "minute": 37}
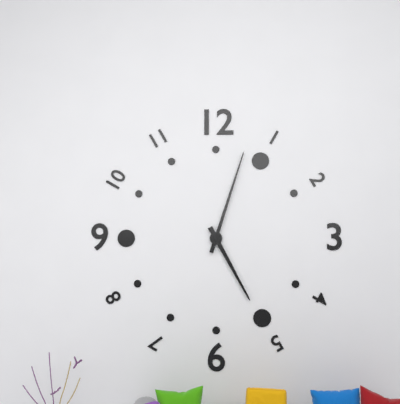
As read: {"hour": 5, "minute": 3}
